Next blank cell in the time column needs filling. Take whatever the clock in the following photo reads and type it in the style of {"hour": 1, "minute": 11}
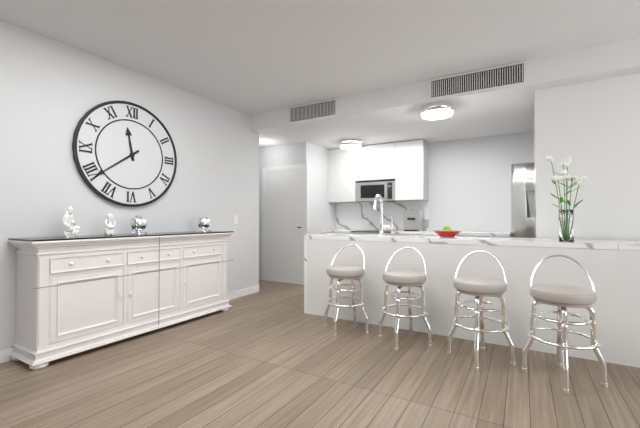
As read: {"hour": 11, "minute": 39}
